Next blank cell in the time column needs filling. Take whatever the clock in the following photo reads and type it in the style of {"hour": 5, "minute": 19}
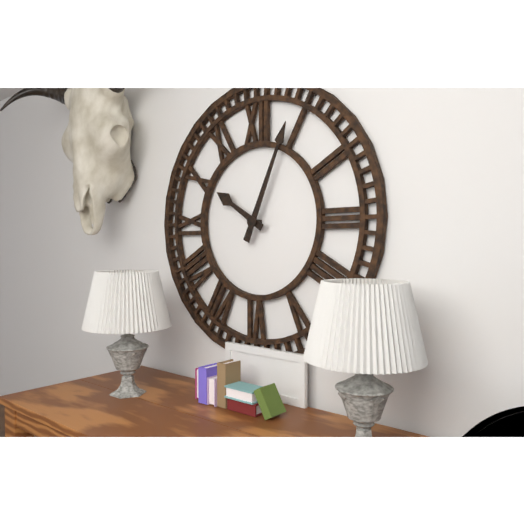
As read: {"hour": 10, "minute": 4}
